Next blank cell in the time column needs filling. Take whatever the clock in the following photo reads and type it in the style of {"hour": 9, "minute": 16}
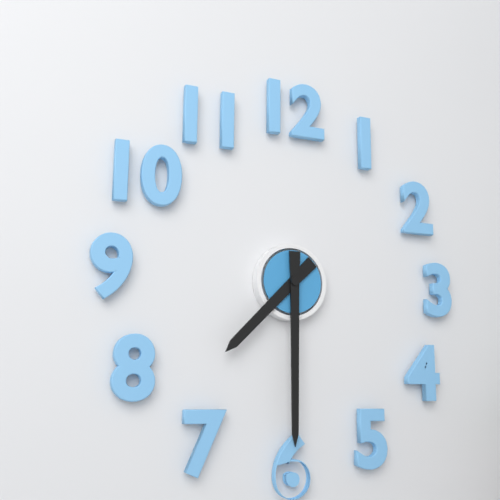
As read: {"hour": 7, "minute": 30}
